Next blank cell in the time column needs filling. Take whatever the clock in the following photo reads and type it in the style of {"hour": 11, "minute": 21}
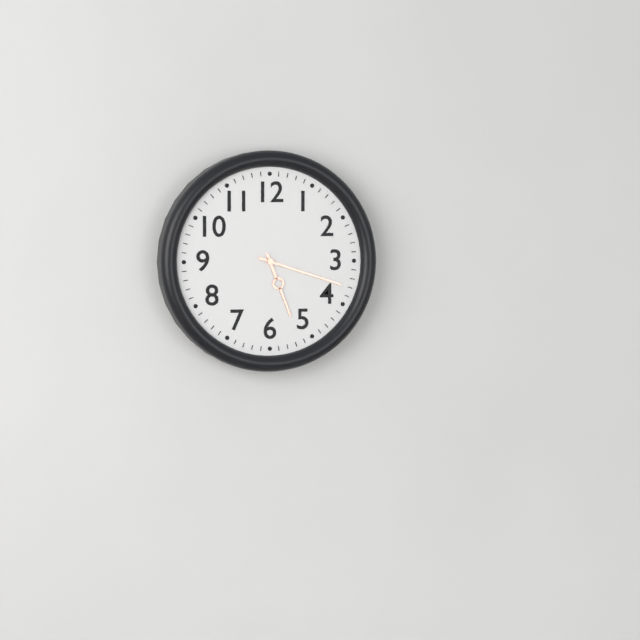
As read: {"hour": 5, "minute": 18}
